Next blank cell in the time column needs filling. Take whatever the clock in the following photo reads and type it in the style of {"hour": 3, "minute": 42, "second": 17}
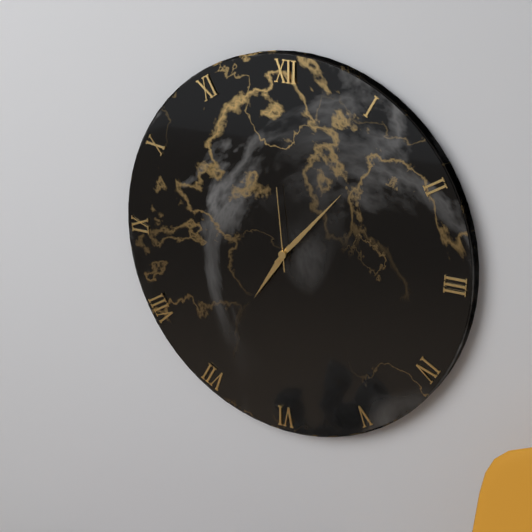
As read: {"hour": 7, "minute": 7, "second": 59}
